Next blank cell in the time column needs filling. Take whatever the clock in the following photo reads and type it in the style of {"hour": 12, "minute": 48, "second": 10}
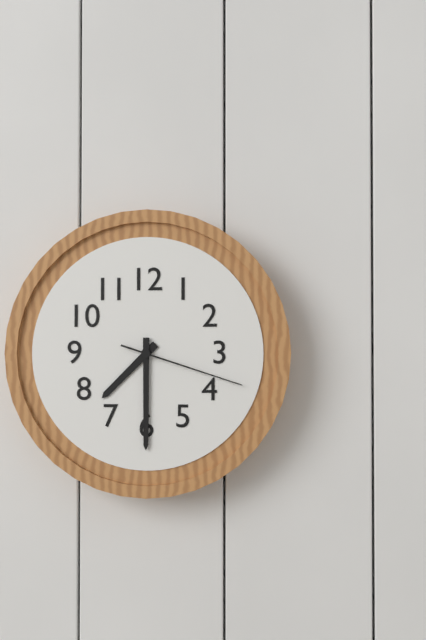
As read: {"hour": 7, "minute": 30, "second": 18}
